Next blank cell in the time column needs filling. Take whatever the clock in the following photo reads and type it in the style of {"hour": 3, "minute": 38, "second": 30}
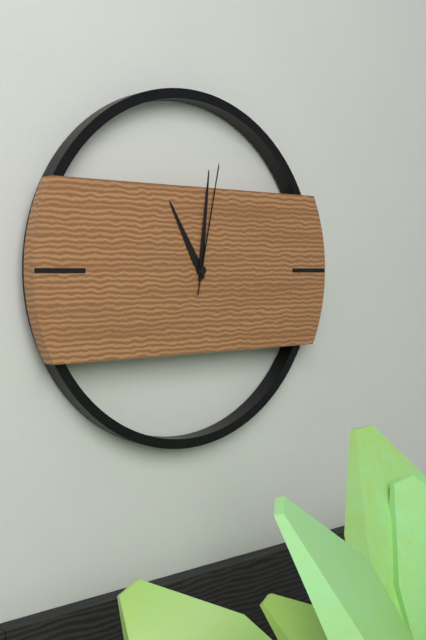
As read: {"hour": 11, "minute": 1, "second": 2}
